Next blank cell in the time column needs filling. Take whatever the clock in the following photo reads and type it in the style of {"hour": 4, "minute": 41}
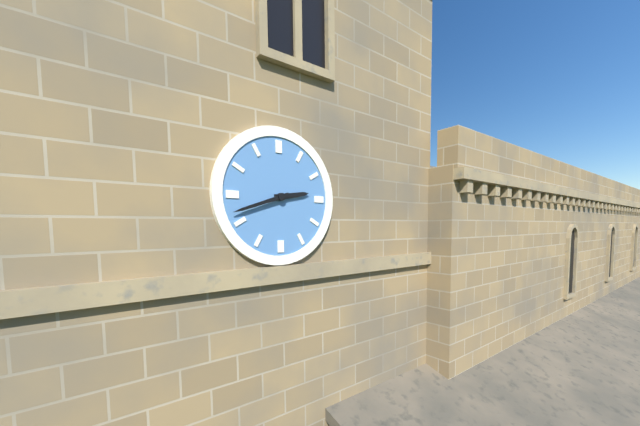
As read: {"hour": 2, "minute": 42}
